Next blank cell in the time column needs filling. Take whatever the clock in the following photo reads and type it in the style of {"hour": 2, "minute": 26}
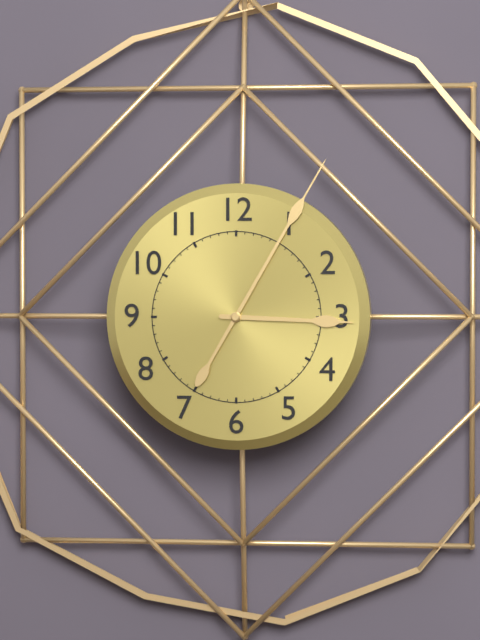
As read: {"hour": 3, "minute": 5}
